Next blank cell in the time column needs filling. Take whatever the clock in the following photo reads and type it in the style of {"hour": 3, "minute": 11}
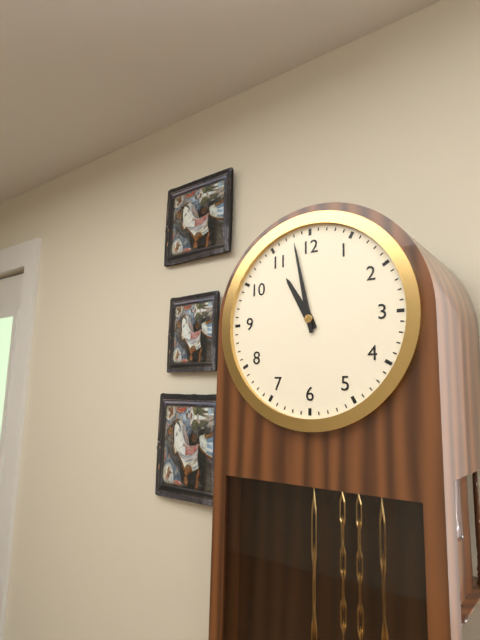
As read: {"hour": 10, "minute": 58}
